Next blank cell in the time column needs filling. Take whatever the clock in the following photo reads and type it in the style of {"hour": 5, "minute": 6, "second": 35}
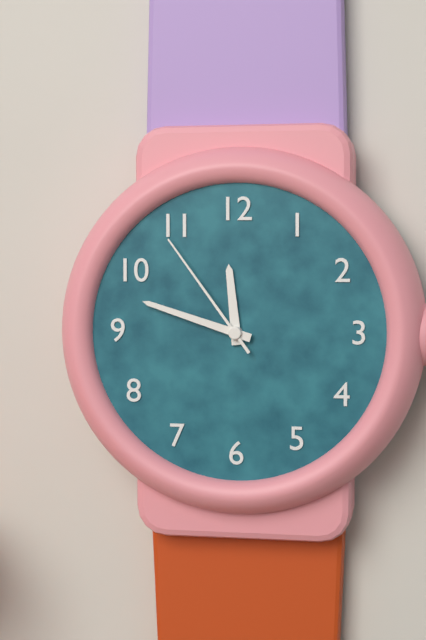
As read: {"hour": 11, "minute": 48, "second": 54}
